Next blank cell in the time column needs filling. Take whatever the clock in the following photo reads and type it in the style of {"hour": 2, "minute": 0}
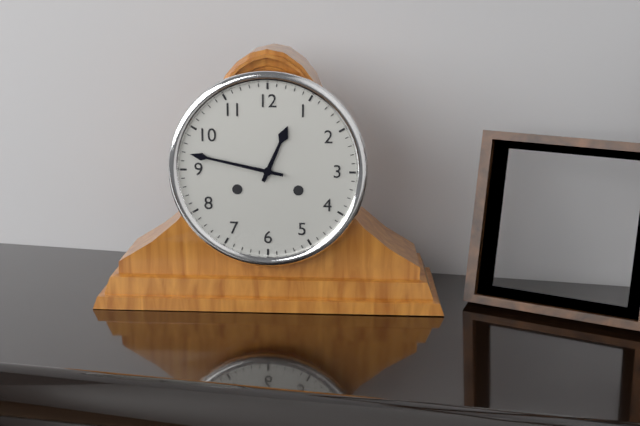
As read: {"hour": 12, "minute": 47}
